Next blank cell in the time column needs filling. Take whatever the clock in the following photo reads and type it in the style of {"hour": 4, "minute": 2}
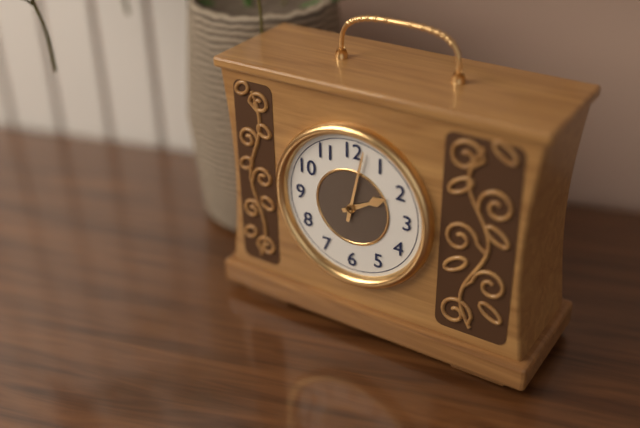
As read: {"hour": 2, "minute": 2}
